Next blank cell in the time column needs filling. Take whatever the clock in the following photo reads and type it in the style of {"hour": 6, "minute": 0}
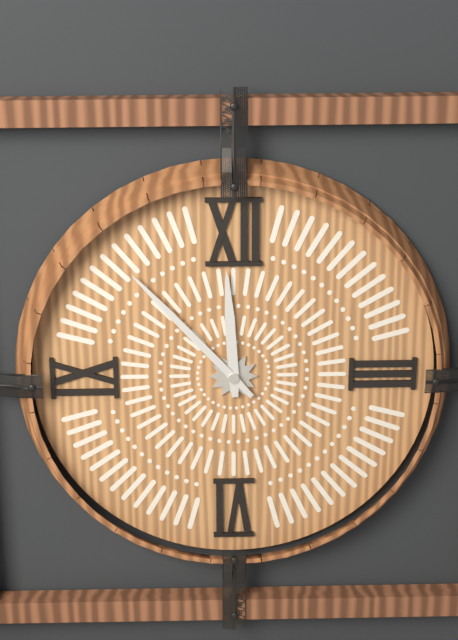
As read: {"hour": 11, "minute": 53}
